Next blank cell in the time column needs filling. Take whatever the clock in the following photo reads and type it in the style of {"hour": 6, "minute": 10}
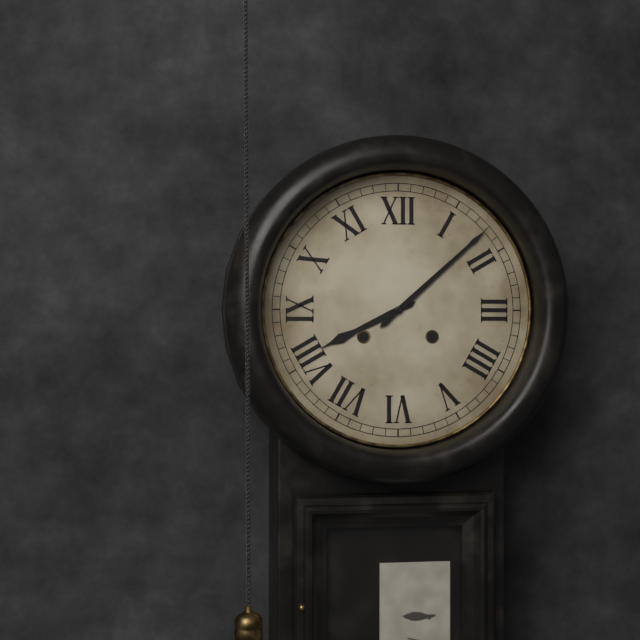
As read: {"hour": 8, "minute": 8}
